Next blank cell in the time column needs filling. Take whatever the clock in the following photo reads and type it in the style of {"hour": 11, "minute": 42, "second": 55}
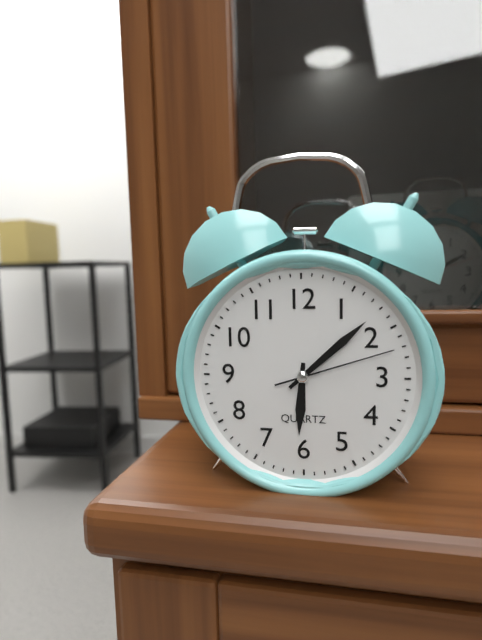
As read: {"hour": 6, "minute": 8, "second": 12}
